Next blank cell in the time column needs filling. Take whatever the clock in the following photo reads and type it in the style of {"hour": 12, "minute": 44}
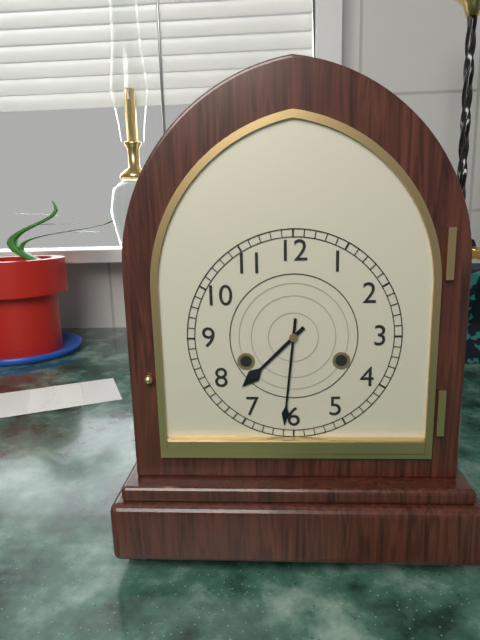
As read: {"hour": 7, "minute": 31}
